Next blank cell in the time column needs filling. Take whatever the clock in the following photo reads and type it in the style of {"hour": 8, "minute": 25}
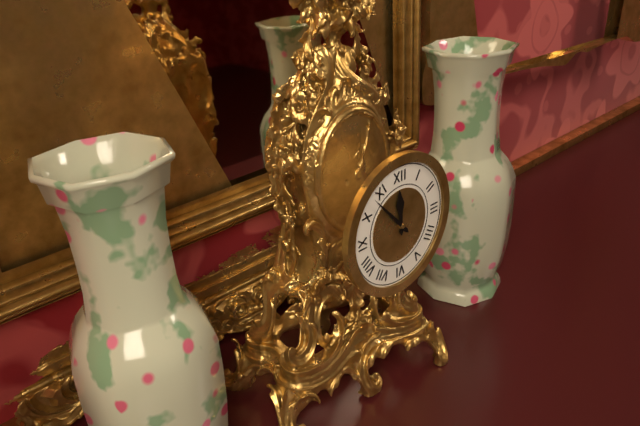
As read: {"hour": 11, "minute": 53}
